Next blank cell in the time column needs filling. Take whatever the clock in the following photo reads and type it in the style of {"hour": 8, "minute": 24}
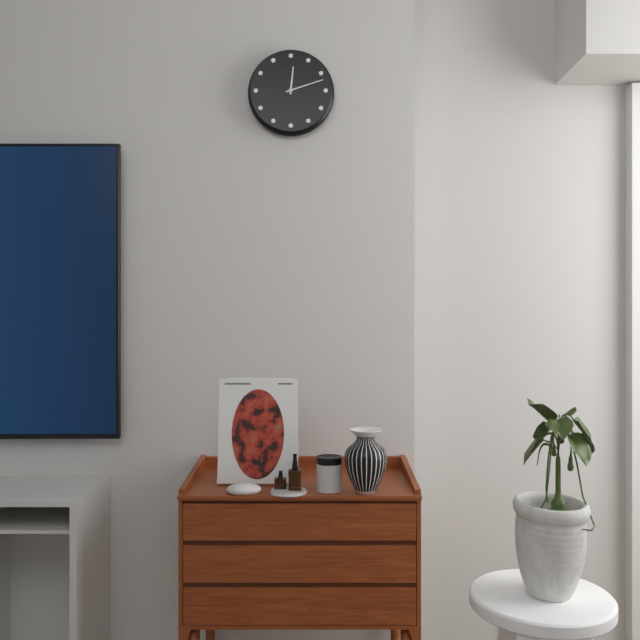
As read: {"hour": 12, "minute": 12}
